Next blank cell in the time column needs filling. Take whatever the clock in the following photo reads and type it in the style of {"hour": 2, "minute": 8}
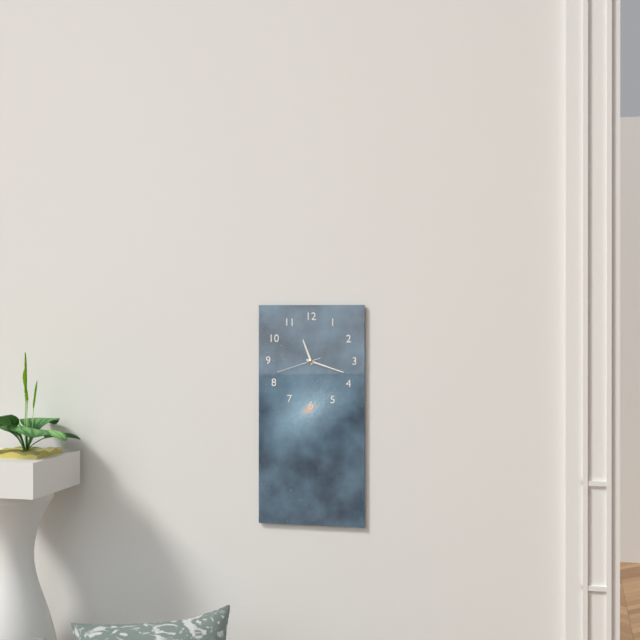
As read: {"hour": 11, "minute": 18}
